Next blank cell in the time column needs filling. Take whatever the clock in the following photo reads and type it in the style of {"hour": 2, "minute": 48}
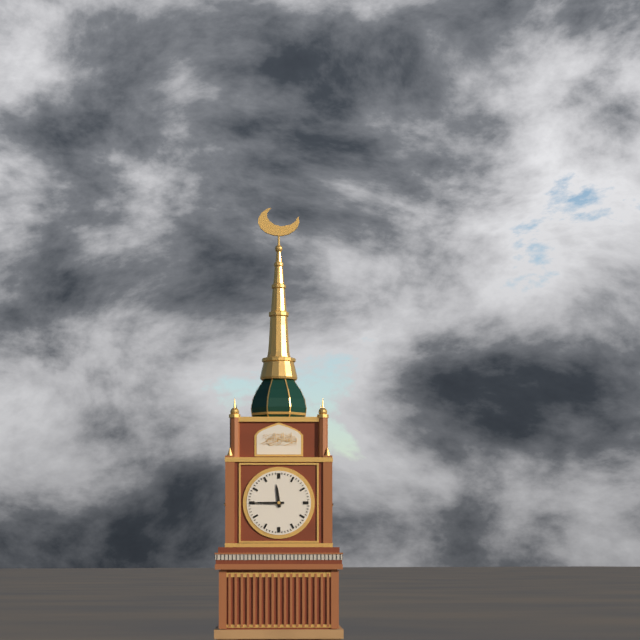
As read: {"hour": 11, "minute": 45}
